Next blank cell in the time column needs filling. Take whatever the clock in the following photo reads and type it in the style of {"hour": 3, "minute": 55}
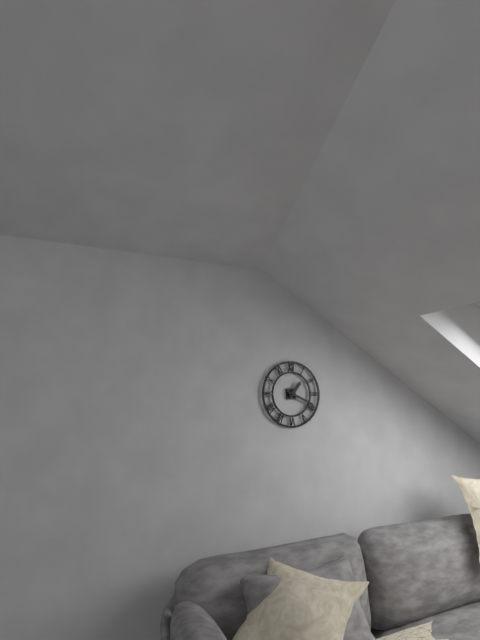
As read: {"hour": 1, "minute": 19}
